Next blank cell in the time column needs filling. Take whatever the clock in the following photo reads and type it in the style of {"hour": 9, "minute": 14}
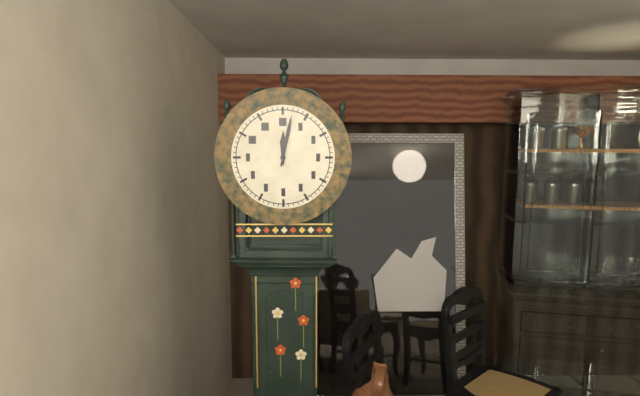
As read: {"hour": 12, "minute": 2}
